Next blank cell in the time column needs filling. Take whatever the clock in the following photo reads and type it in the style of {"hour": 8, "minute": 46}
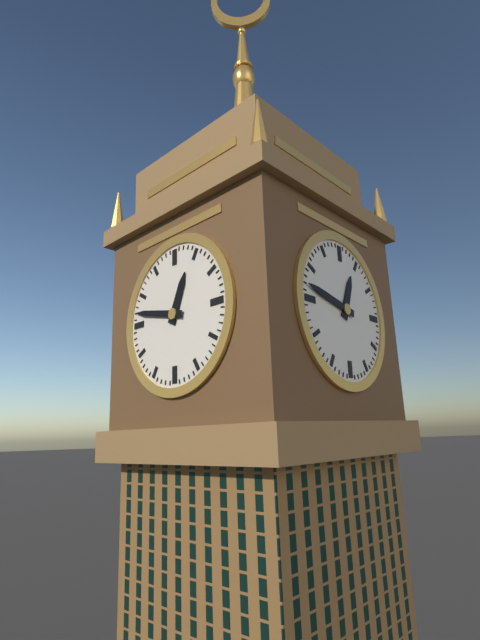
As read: {"hour": 12, "minute": 47}
